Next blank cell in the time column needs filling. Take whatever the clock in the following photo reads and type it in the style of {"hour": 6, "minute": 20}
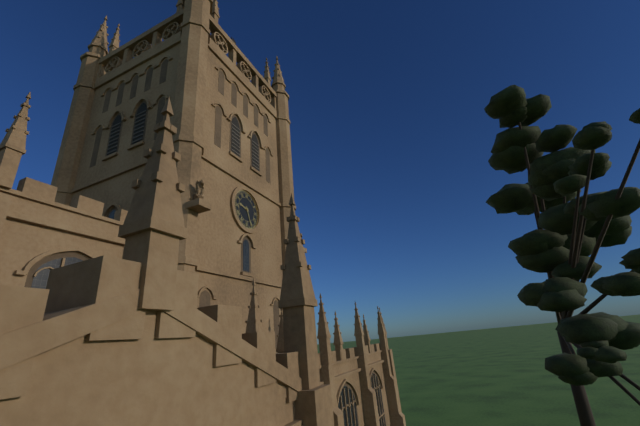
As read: {"hour": 9, "minute": 26}
